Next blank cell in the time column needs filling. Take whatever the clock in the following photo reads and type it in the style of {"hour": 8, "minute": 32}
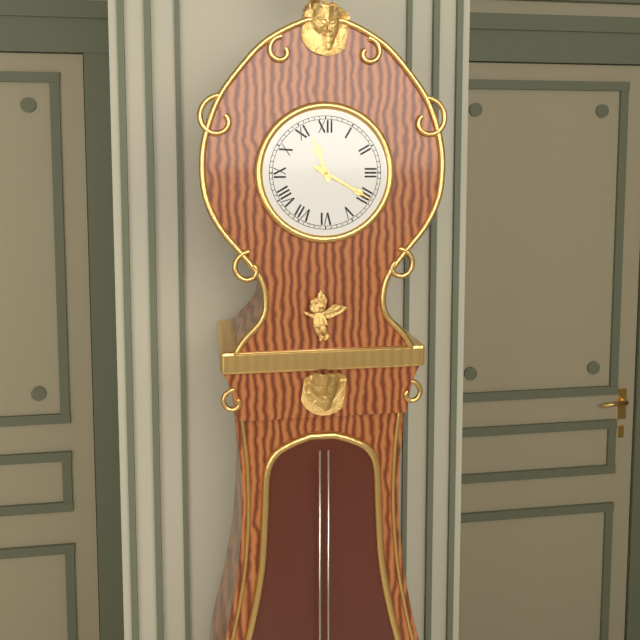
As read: {"hour": 11, "minute": 20}
